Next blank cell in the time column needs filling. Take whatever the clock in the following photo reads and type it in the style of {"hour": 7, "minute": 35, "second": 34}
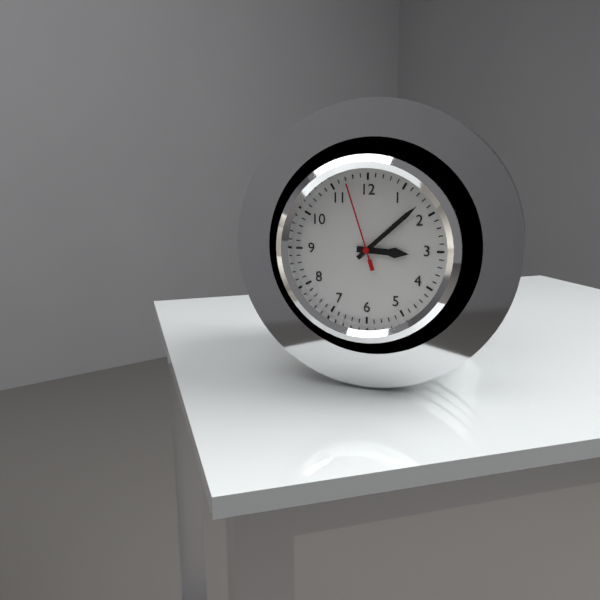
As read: {"hour": 3, "minute": 8, "second": 57}
